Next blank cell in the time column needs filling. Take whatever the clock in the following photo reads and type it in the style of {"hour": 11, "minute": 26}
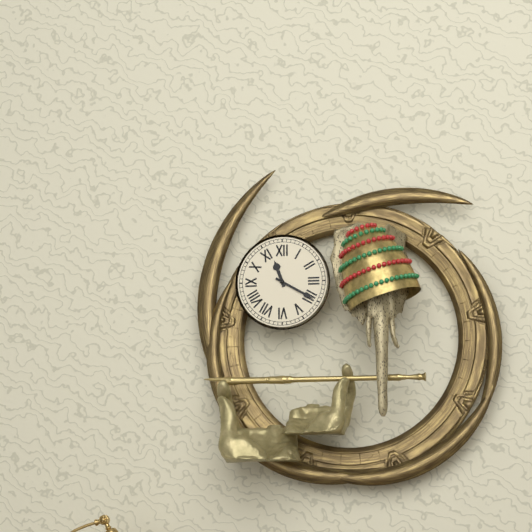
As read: {"hour": 11, "minute": 20}
